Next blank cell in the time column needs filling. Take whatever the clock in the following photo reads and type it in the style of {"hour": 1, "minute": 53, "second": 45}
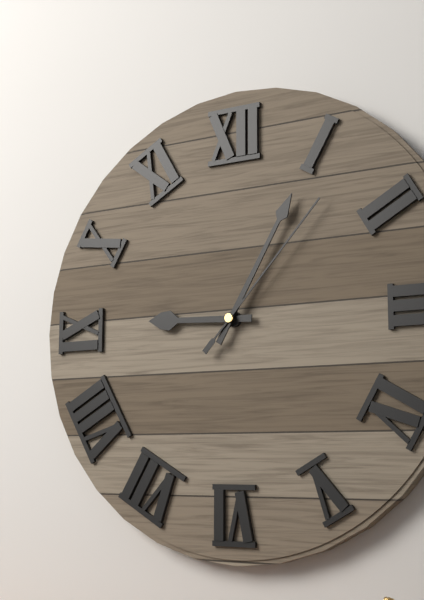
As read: {"hour": 9, "minute": 5, "second": 7}
